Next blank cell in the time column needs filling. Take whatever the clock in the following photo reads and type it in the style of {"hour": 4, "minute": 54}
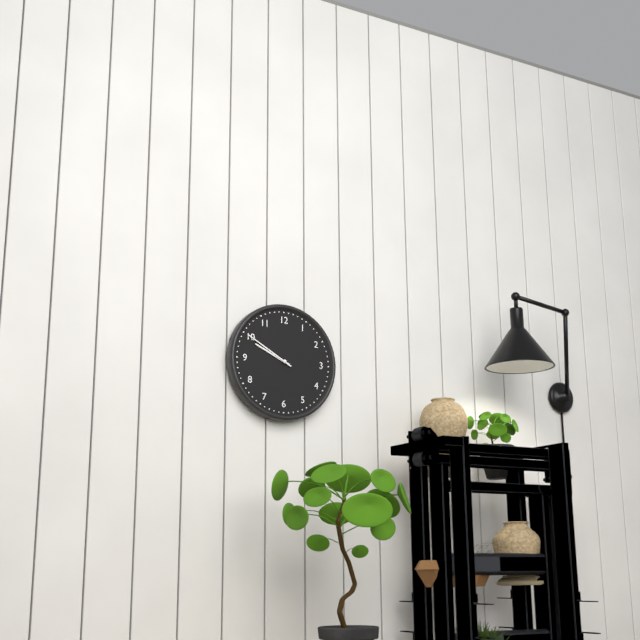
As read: {"hour": 9, "minute": 50}
